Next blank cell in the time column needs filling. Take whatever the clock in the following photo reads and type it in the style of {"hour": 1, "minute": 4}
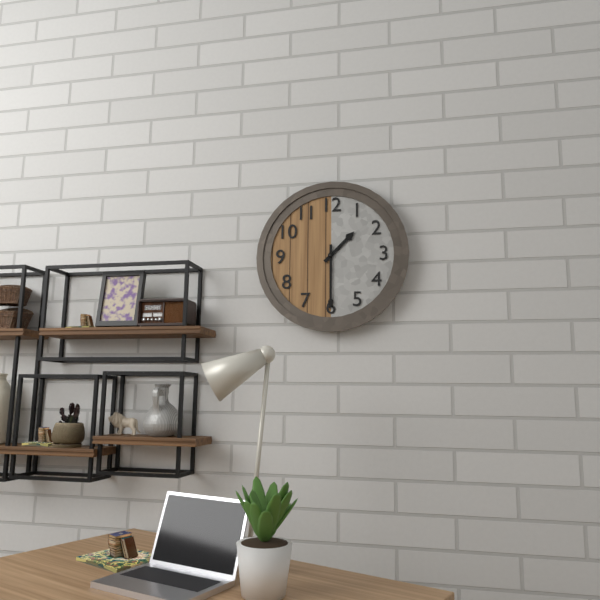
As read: {"hour": 1, "minute": 30}
